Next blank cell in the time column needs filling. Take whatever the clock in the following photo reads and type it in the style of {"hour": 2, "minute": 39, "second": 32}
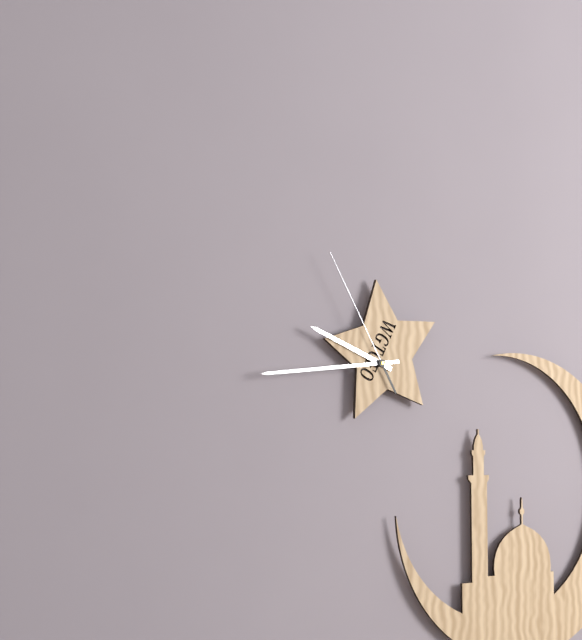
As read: {"hour": 9, "minute": 44, "second": 55}
